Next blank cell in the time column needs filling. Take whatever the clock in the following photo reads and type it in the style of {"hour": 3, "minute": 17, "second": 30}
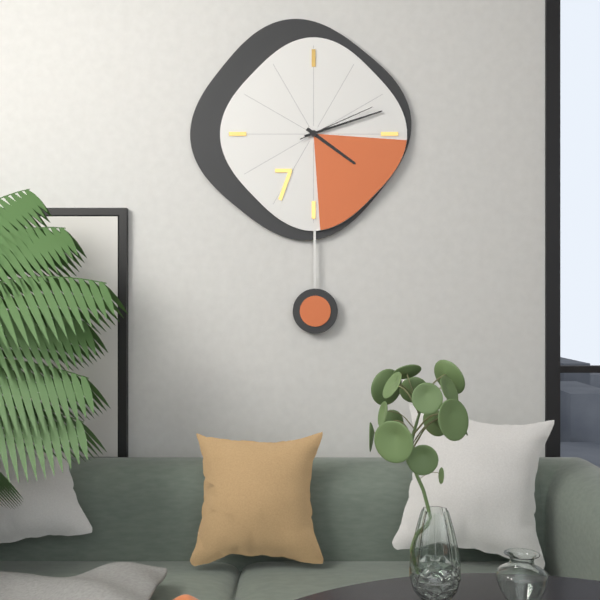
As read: {"hour": 4, "minute": 12, "second": 11}
